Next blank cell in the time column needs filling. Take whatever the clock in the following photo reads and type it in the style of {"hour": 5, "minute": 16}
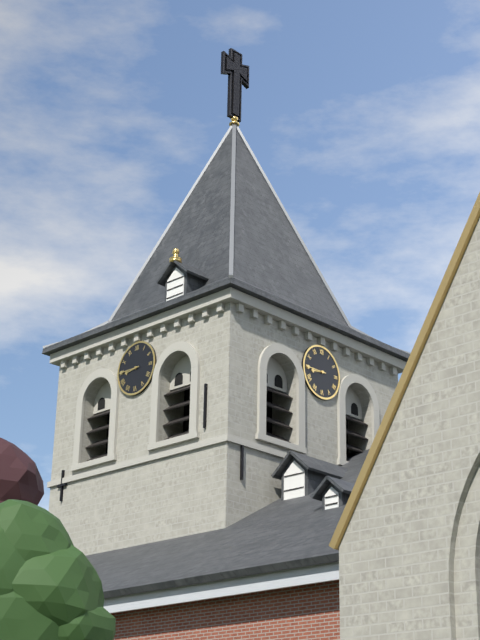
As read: {"hour": 8, "minute": 45}
